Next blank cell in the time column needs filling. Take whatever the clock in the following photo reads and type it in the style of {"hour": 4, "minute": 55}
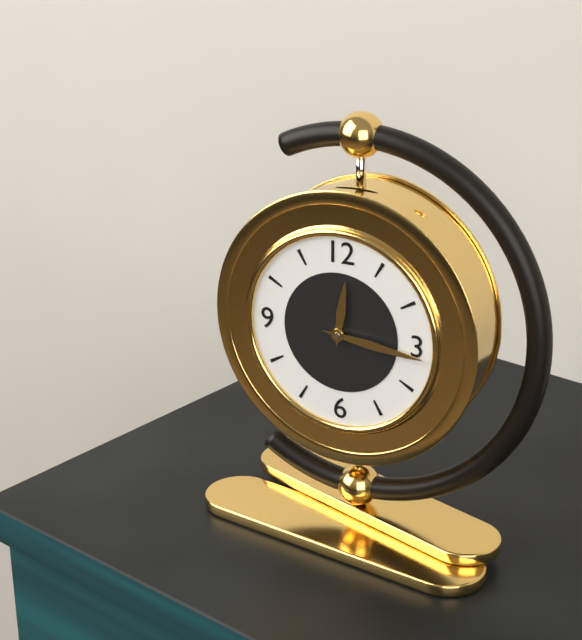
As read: {"hour": 12, "minute": 16}
